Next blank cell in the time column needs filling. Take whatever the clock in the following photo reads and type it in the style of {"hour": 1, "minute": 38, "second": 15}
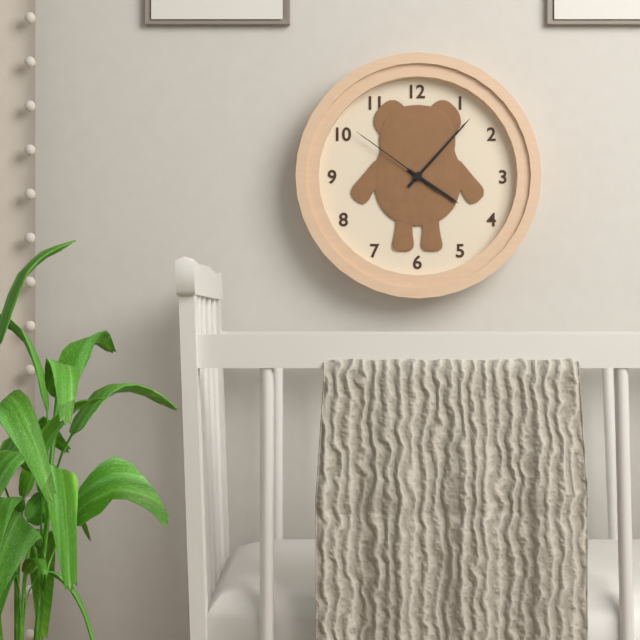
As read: {"hour": 4, "minute": 7, "second": 51}
